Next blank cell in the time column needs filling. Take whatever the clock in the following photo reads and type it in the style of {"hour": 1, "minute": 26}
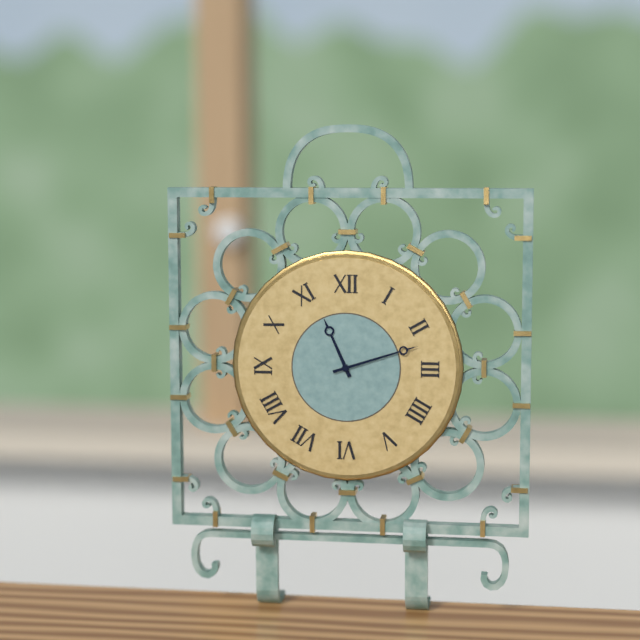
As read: {"hour": 11, "minute": 12}
